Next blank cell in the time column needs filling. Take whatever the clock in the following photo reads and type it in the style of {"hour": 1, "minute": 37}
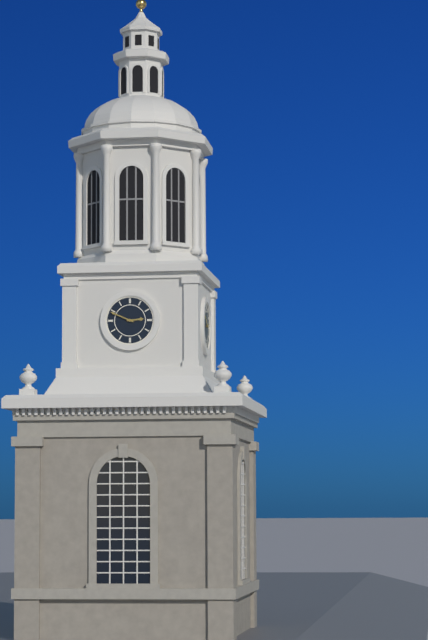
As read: {"hour": 2, "minute": 49}
